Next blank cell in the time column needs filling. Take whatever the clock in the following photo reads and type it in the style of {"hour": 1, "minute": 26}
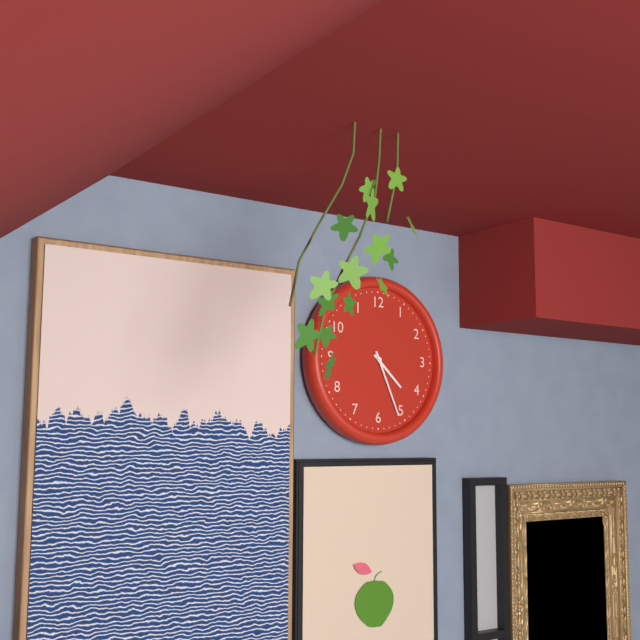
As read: {"hour": 4, "minute": 26}
